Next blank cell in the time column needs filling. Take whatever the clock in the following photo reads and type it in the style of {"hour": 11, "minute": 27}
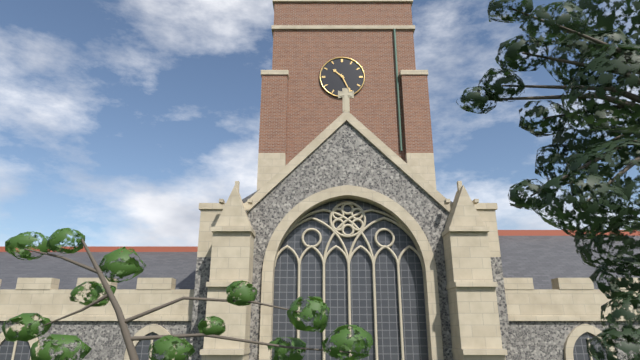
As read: {"hour": 10, "minute": 26}
